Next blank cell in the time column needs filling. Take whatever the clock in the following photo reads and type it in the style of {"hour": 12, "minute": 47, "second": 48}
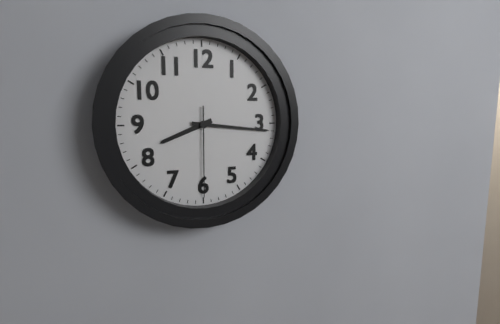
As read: {"hour": 8, "minute": 16, "second": 30}
